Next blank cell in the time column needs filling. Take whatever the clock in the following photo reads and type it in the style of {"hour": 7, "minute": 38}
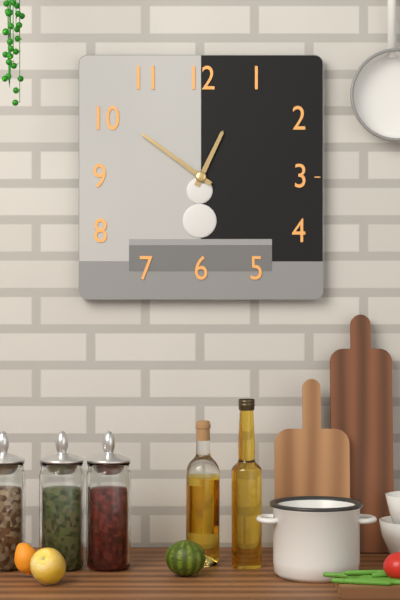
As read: {"hour": 12, "minute": 51}
